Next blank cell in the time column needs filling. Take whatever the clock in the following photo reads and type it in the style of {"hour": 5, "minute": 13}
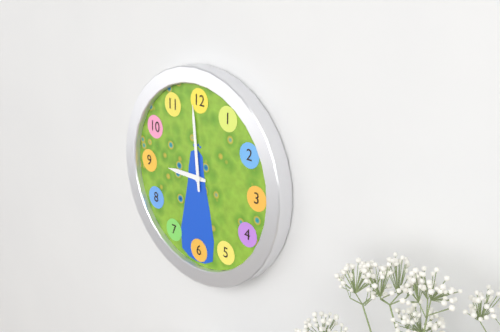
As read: {"hour": 8, "minute": 59}
